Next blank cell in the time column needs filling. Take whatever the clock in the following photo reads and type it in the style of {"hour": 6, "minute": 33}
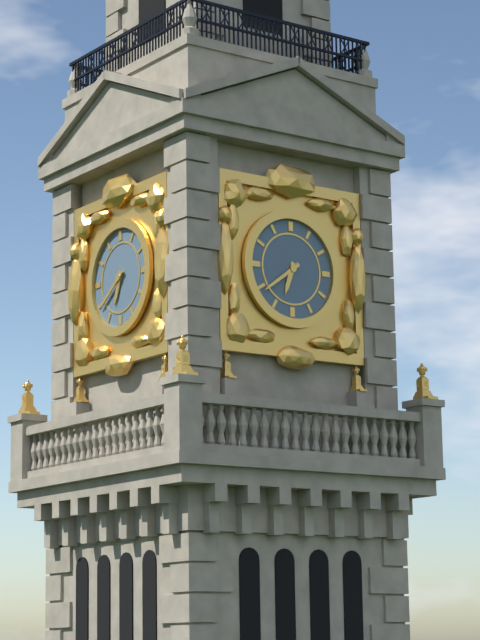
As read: {"hour": 6, "minute": 39}
